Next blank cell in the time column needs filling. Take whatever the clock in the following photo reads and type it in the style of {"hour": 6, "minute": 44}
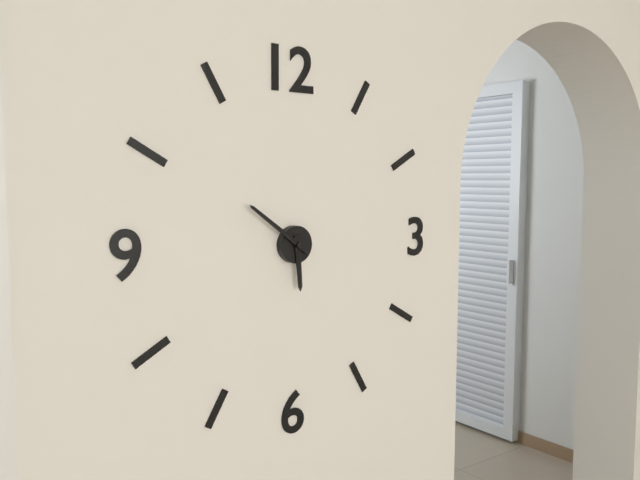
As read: {"hour": 5, "minute": 51}
